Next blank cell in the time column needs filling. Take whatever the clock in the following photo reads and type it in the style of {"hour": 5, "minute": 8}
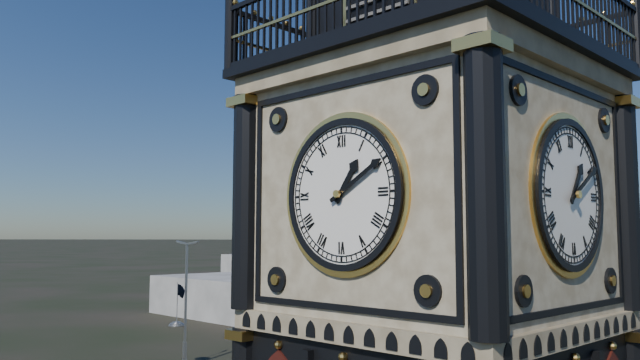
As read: {"hour": 1, "minute": 10}
